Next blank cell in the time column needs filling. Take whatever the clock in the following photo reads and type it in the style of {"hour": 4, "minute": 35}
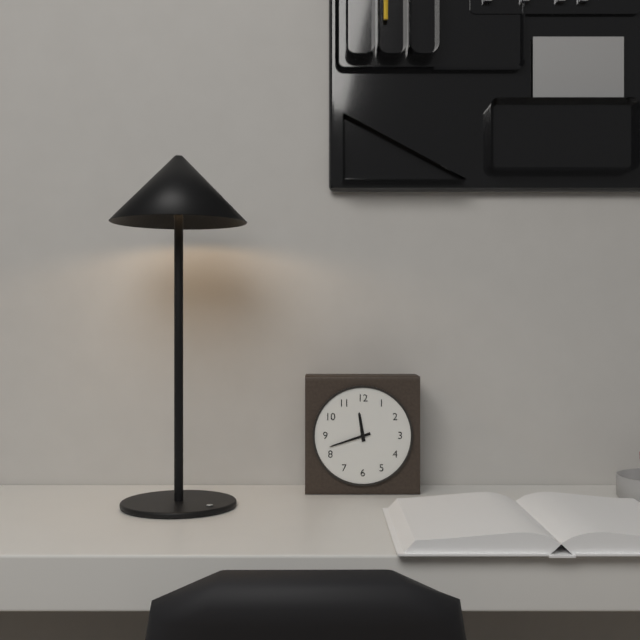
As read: {"hour": 11, "minute": 42}
